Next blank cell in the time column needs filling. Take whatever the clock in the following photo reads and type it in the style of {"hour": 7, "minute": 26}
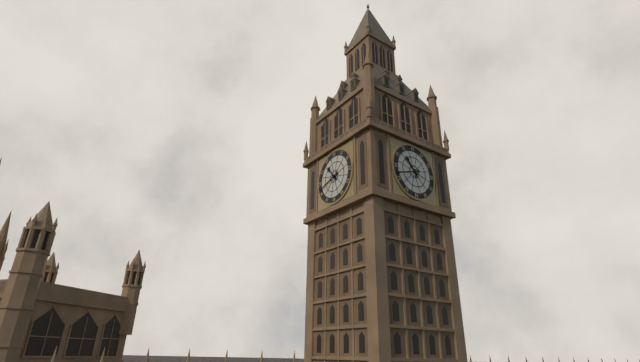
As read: {"hour": 10, "minute": 42}
